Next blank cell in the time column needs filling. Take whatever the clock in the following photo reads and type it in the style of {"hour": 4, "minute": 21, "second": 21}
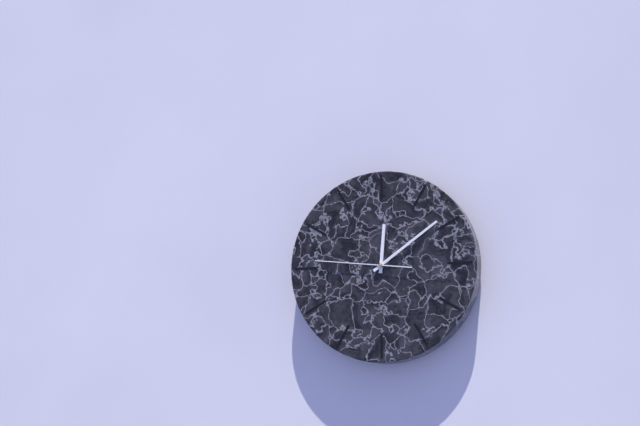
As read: {"hour": 12, "minute": 9, "second": 46}
